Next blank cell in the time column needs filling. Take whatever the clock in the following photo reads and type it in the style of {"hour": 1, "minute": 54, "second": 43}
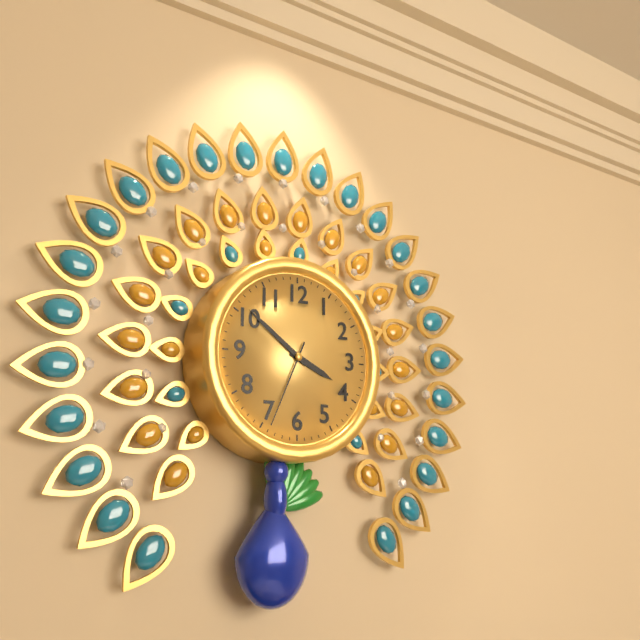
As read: {"hour": 3, "minute": 51, "second": 34}
